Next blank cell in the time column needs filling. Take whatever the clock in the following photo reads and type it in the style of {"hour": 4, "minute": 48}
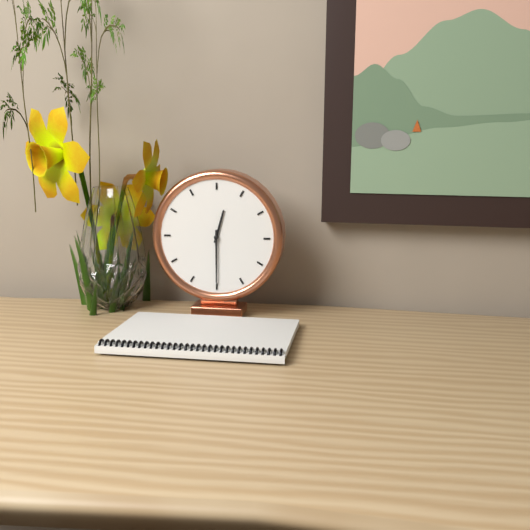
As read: {"hour": 12, "minute": 30}
